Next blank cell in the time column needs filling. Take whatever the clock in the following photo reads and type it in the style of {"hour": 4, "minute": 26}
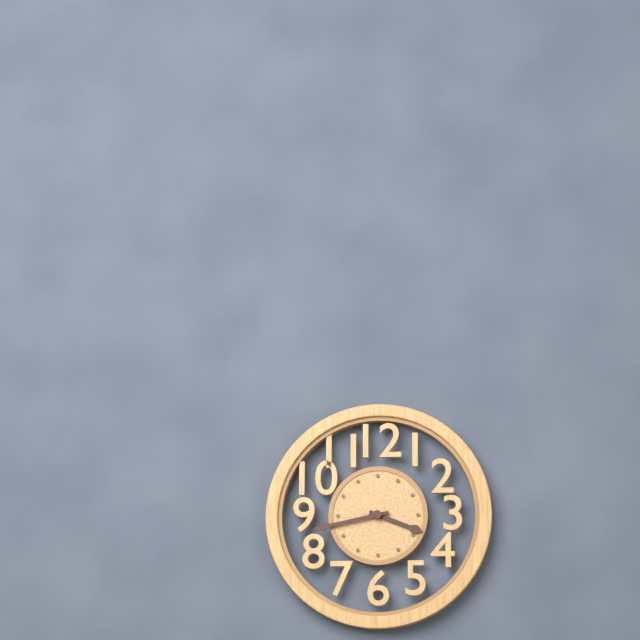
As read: {"hour": 3, "minute": 43}
